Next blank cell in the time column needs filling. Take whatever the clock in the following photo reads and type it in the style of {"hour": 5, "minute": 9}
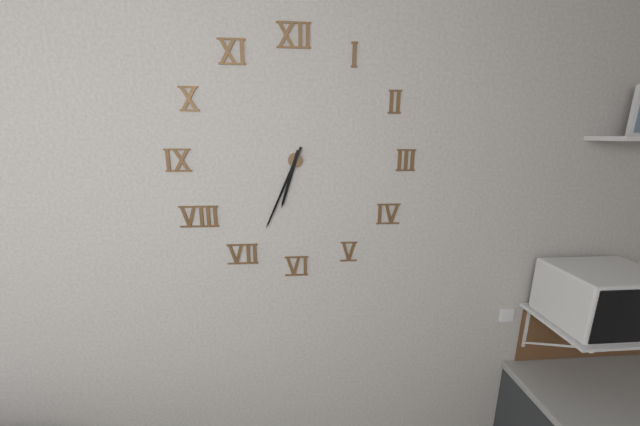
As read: {"hour": 6, "minute": 34}
